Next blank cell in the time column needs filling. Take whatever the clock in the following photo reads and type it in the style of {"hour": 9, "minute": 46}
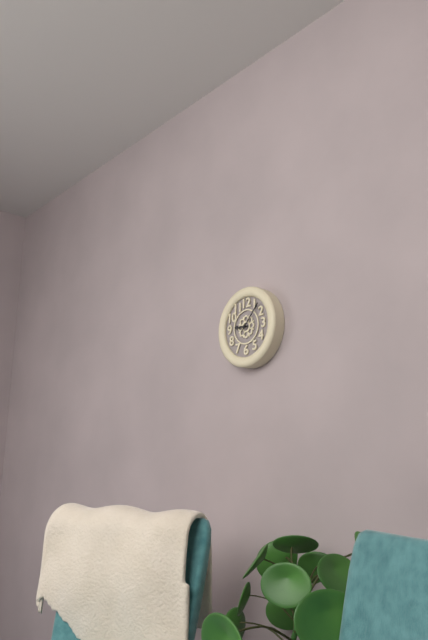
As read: {"hour": 9, "minute": 7}
